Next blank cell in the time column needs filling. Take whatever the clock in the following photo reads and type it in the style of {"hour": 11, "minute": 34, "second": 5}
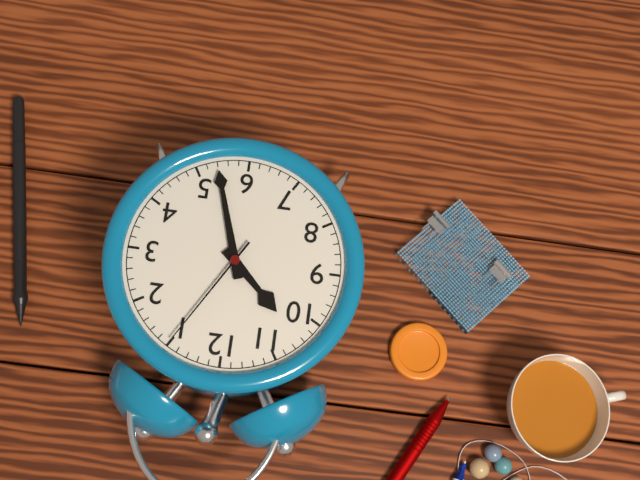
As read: {"hour": 10, "minute": 27, "second": 5}
